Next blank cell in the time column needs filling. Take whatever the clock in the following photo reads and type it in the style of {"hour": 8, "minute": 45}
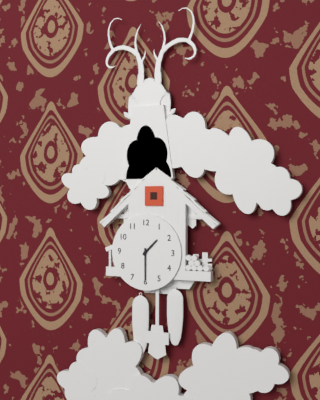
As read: {"hour": 1, "minute": 30}
